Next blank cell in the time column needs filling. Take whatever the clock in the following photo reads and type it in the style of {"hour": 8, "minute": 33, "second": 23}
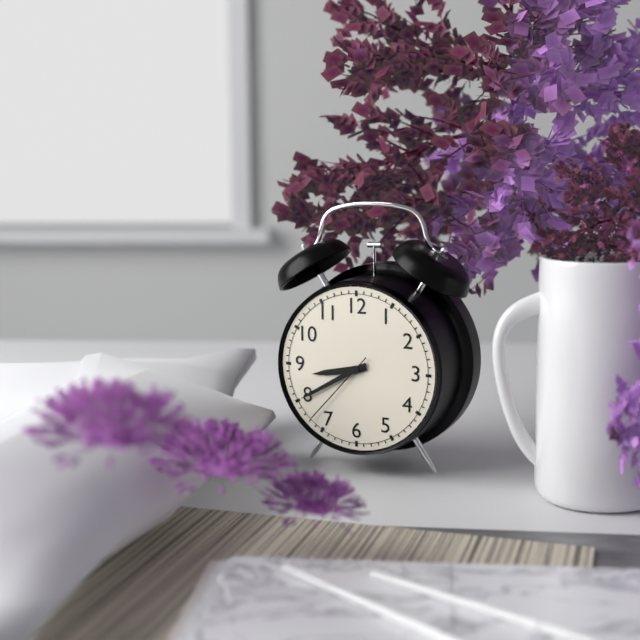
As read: {"hour": 8, "minute": 40, "second": 37}
